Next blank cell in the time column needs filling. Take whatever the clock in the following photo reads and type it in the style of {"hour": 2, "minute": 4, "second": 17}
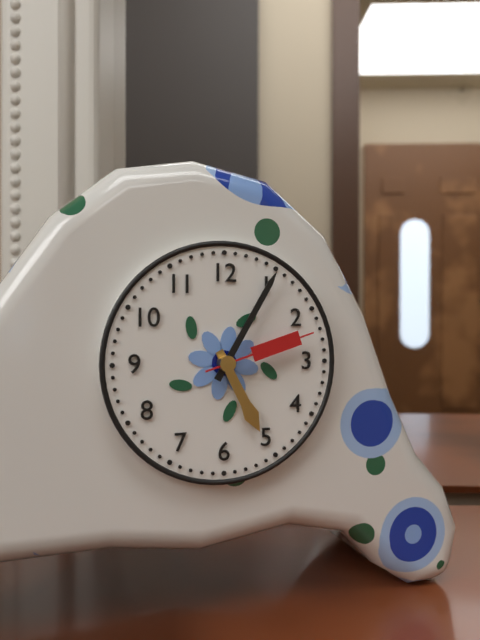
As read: {"hour": 5, "minute": 5, "second": 12}
